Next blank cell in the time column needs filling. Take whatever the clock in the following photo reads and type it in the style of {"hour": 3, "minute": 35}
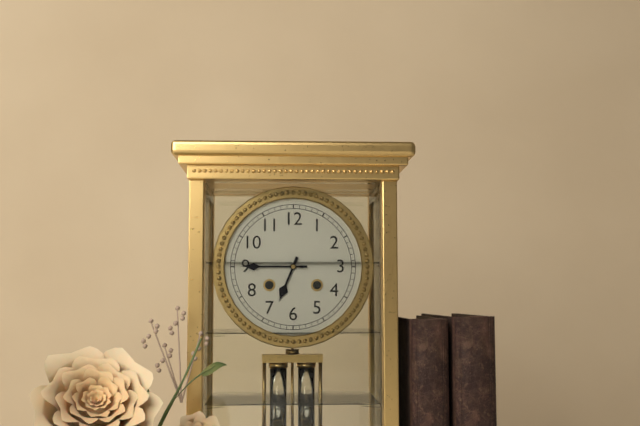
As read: {"hour": 6, "minute": 45}
